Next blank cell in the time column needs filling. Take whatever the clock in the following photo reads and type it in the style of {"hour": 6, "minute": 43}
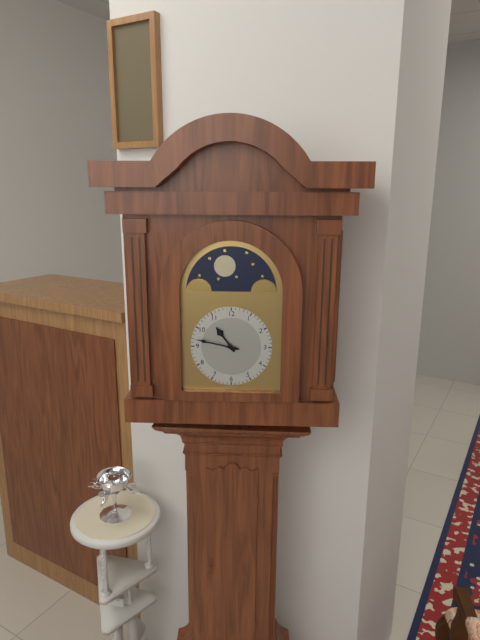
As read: {"hour": 10, "minute": 47}
